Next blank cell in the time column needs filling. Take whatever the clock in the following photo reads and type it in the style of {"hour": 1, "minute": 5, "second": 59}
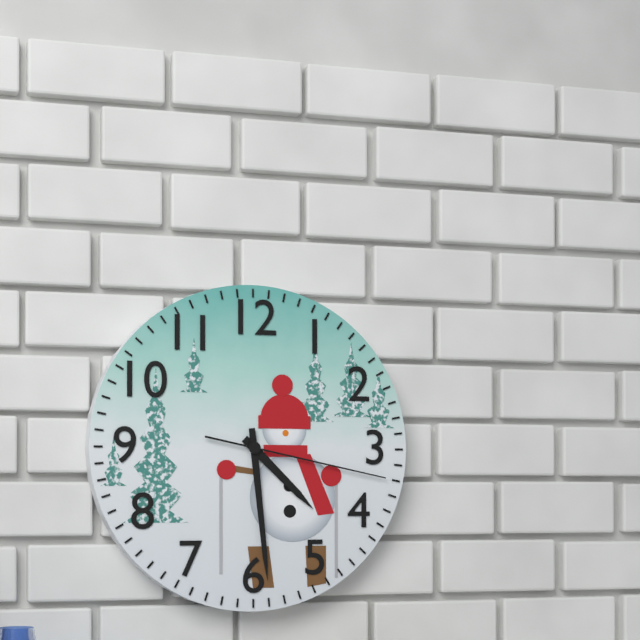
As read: {"hour": 4, "minute": 29, "second": 17}
